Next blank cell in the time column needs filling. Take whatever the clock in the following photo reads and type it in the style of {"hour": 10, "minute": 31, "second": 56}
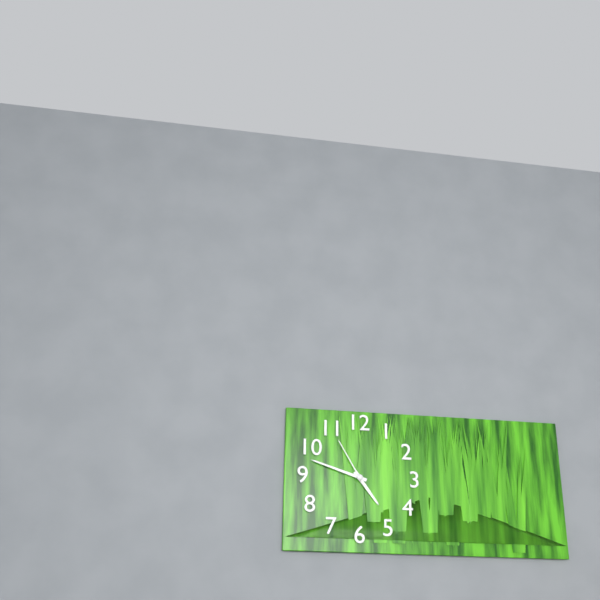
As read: {"hour": 4, "minute": 48, "second": 55}
